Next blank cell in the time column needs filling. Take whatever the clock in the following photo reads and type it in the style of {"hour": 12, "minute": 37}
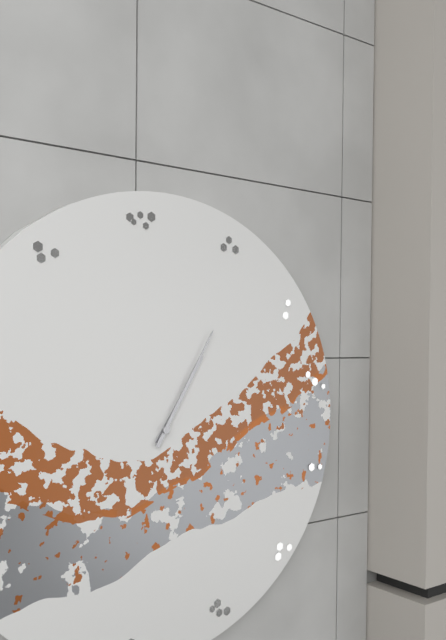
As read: {"hour": 1, "minute": 5}
